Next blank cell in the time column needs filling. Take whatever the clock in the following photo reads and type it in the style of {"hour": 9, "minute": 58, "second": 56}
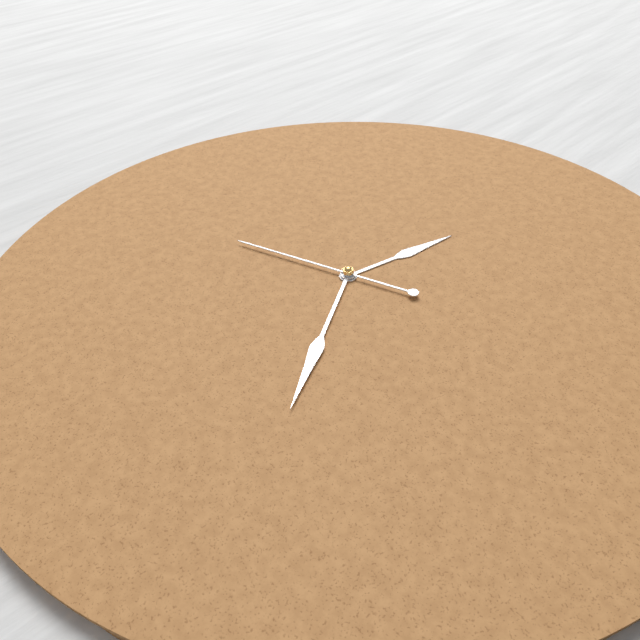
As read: {"hour": 12, "minute": 25, "second": 42}
